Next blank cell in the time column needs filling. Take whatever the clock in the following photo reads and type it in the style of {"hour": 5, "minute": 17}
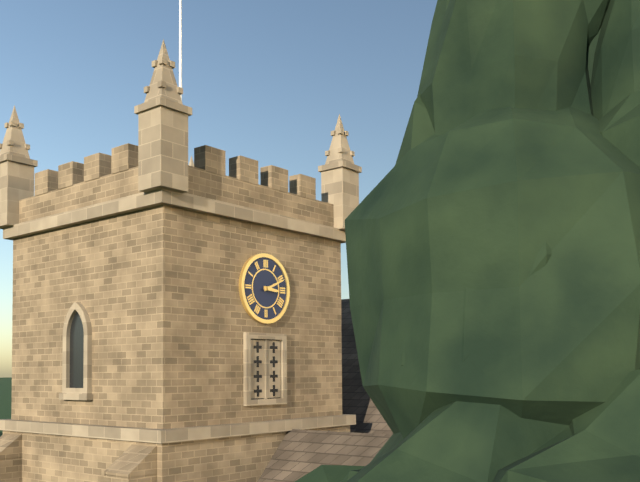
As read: {"hour": 3, "minute": 11}
